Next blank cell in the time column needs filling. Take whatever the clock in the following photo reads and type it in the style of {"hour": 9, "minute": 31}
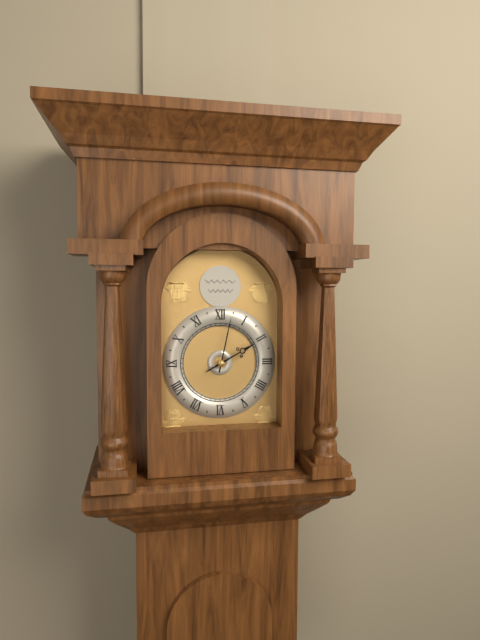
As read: {"hour": 2, "minute": 2}
